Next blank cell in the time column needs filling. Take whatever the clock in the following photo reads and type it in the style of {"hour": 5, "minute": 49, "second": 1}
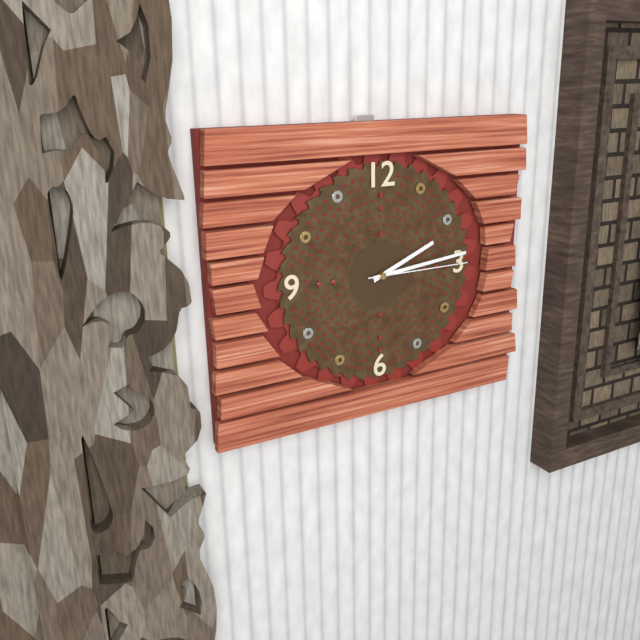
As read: {"hour": 2, "minute": 14, "second": 15}
